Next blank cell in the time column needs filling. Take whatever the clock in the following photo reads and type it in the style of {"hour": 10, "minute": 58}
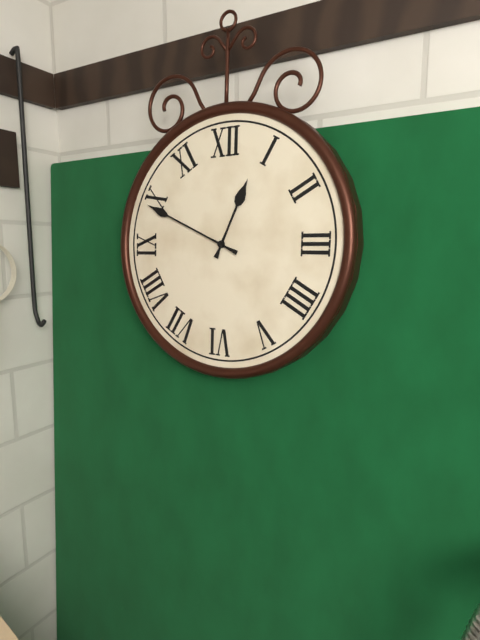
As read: {"hour": 12, "minute": 49}
